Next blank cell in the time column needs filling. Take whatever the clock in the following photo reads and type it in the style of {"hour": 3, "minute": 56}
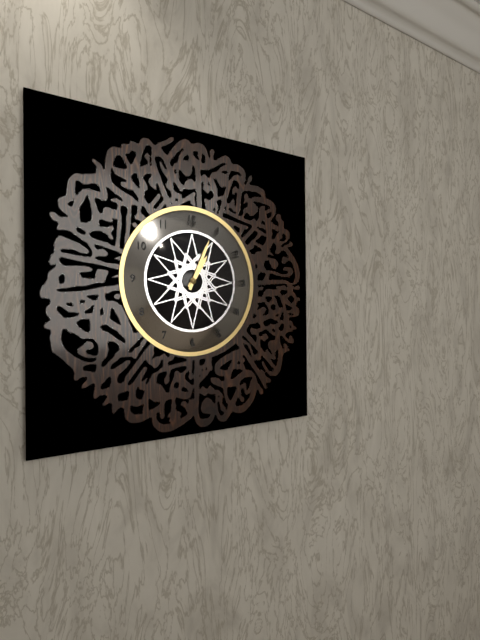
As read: {"hour": 1, "minute": 4}
